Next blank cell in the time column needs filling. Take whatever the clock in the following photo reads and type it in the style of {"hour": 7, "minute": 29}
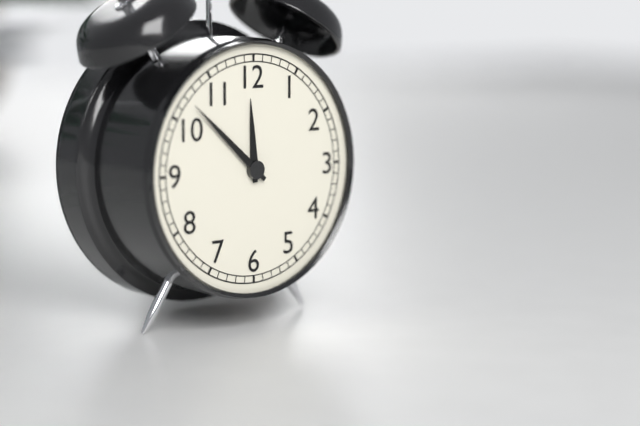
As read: {"hour": 11, "minute": 52}
